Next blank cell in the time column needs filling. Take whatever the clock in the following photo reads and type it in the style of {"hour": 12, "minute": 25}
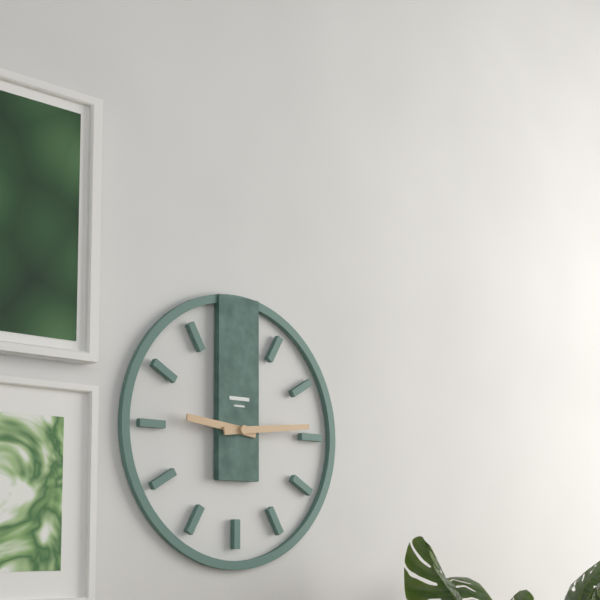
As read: {"hour": 9, "minute": 14}
